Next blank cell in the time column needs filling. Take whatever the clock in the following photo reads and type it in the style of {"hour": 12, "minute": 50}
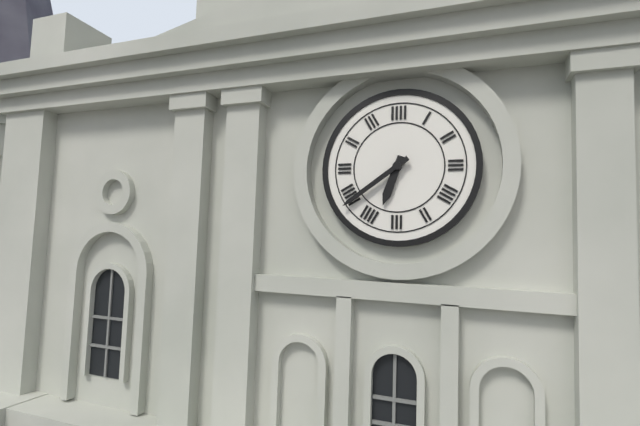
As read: {"hour": 6, "minute": 39}
